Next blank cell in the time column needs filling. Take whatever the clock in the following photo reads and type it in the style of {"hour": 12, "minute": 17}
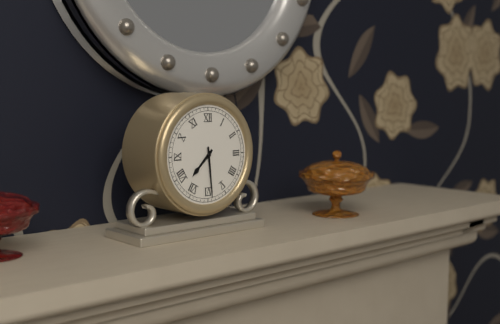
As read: {"hour": 7, "minute": 29}
